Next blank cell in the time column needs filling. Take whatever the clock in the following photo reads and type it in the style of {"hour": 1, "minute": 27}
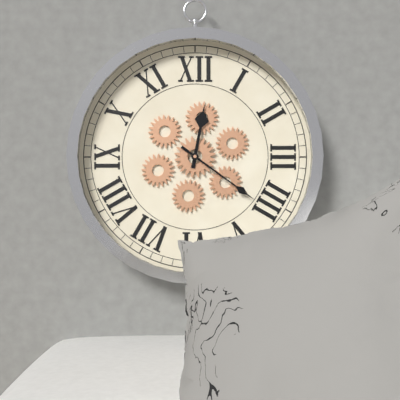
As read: {"hour": 12, "minute": 21}
